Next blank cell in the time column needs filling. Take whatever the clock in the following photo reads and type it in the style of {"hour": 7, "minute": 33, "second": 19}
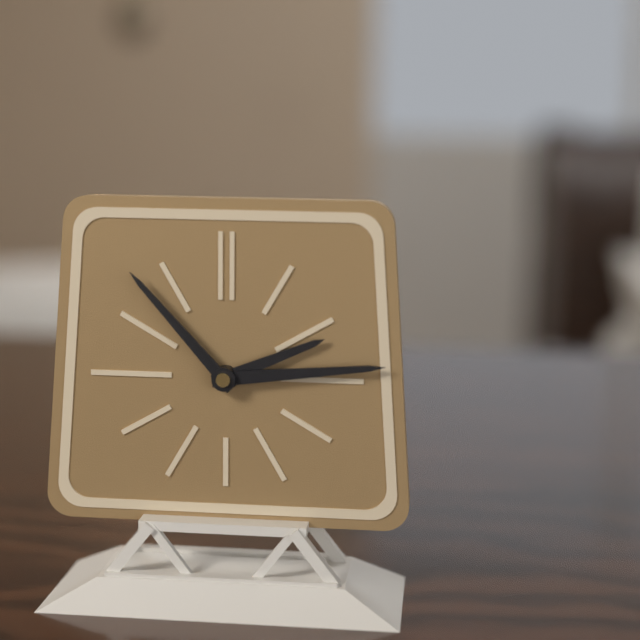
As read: {"hour": 2, "minute": 14, "second": 53}
